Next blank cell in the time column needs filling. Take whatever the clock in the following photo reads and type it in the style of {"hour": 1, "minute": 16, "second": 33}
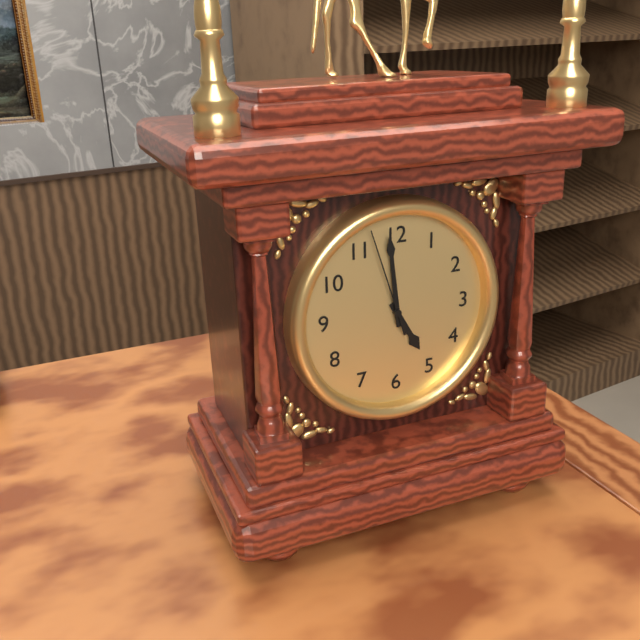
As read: {"hour": 4, "minute": 59, "second": 57}
